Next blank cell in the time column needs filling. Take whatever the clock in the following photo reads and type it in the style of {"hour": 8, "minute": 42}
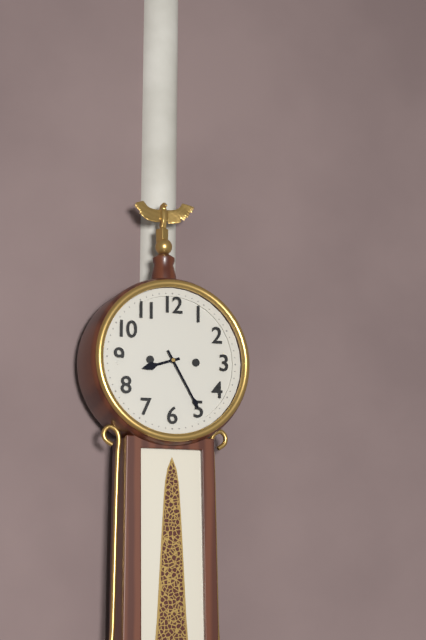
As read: {"hour": 8, "minute": 25}
